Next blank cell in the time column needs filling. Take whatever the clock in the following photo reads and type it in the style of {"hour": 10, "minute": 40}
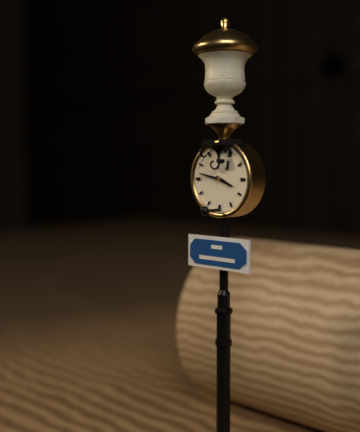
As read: {"hour": 3, "minute": 47}
